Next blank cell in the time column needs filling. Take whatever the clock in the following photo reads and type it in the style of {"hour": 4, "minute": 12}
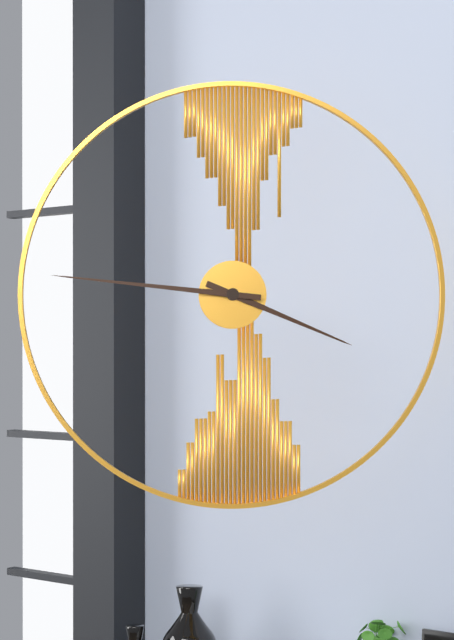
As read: {"hour": 3, "minute": 46}
